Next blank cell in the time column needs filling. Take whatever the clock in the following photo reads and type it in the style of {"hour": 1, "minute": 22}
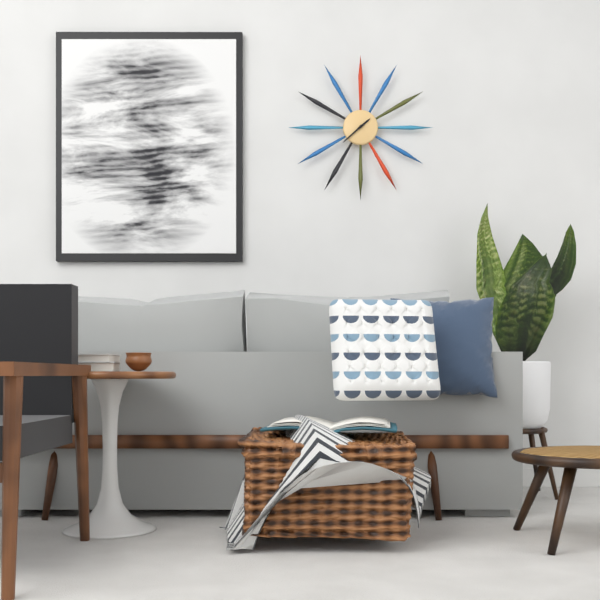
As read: {"hour": 1, "minute": 38}
